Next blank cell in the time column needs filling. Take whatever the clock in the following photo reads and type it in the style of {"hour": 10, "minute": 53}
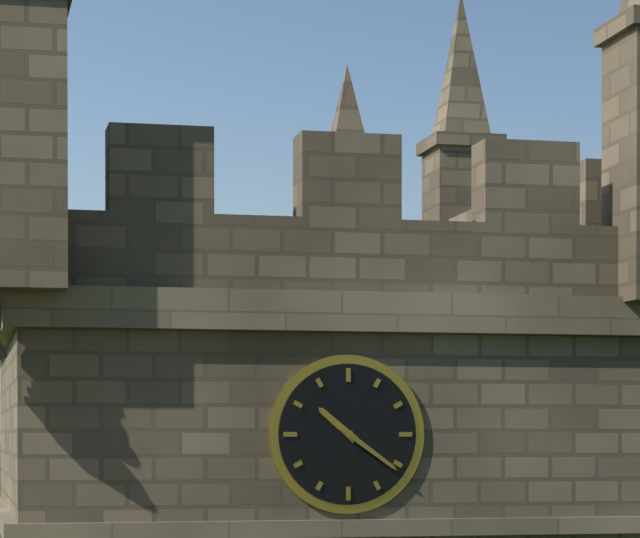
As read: {"hour": 10, "minute": 21}
